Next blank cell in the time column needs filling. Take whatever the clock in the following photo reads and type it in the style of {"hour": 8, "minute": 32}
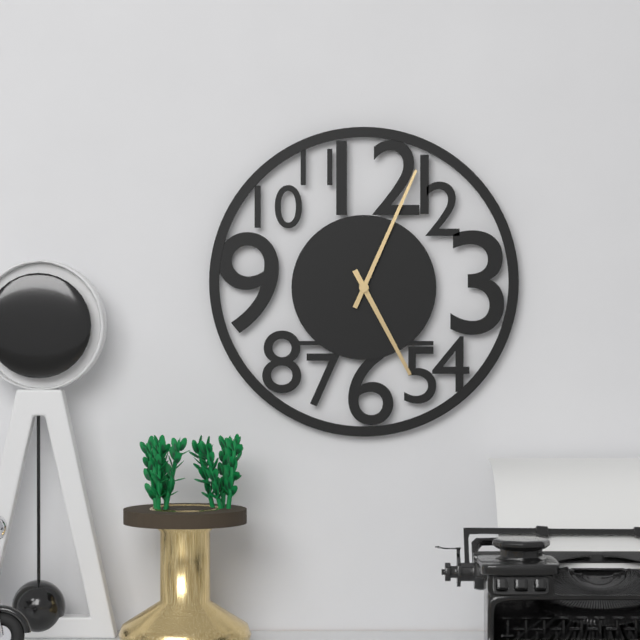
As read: {"hour": 5, "minute": 4}
